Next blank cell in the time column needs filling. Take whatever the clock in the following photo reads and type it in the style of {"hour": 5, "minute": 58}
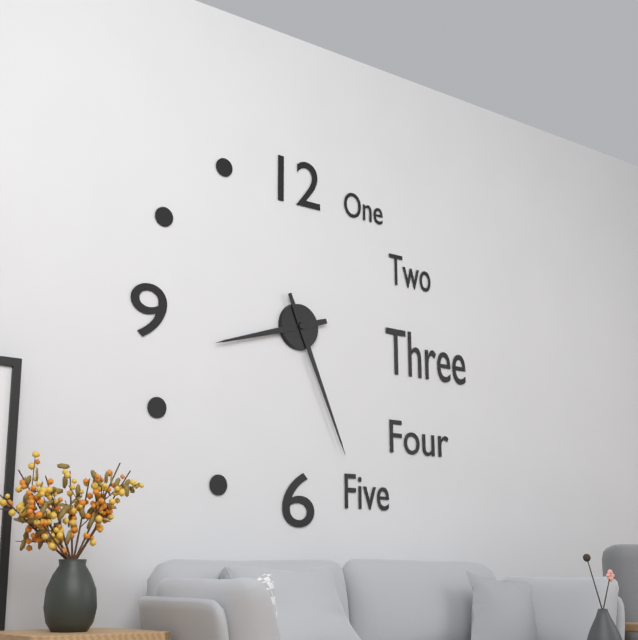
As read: {"hour": 8, "minute": 26}
